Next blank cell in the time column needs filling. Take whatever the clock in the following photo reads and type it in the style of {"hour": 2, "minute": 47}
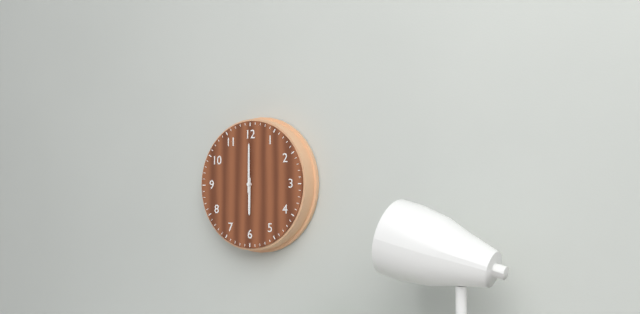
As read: {"hour": 6, "minute": 0}
